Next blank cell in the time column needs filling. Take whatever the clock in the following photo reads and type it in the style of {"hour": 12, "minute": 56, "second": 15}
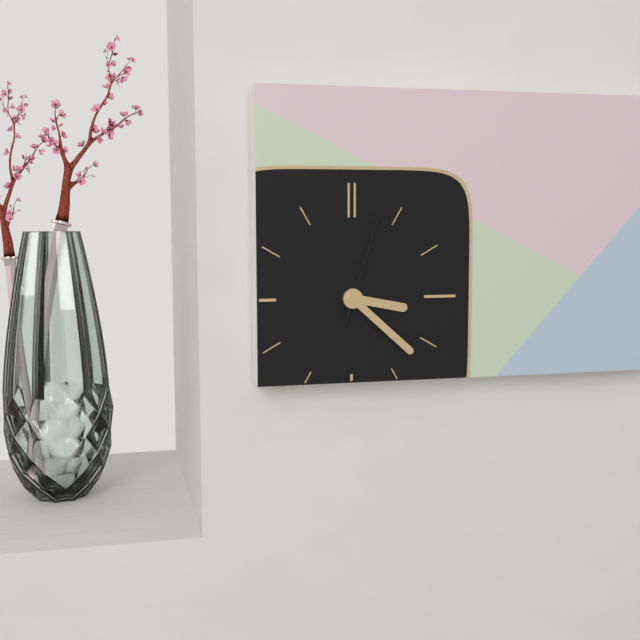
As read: {"hour": 3, "minute": 22, "second": 3}
